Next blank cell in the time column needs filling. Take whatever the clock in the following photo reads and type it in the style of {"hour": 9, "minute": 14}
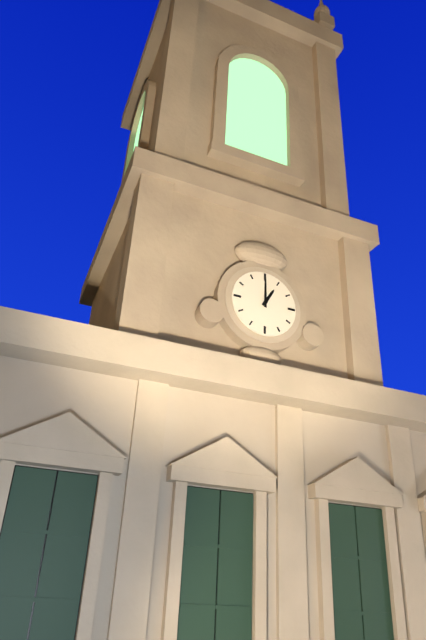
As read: {"hour": 1, "minute": 0}
